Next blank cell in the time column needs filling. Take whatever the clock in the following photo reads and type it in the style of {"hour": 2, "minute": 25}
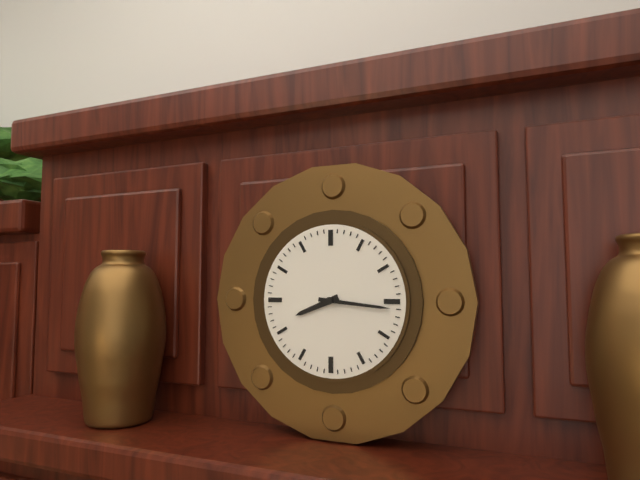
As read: {"hour": 8, "minute": 16}
